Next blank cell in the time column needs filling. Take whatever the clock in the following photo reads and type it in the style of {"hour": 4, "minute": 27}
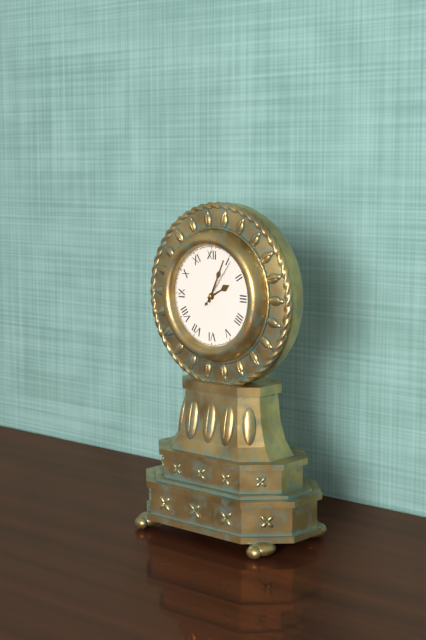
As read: {"hour": 2, "minute": 4}
